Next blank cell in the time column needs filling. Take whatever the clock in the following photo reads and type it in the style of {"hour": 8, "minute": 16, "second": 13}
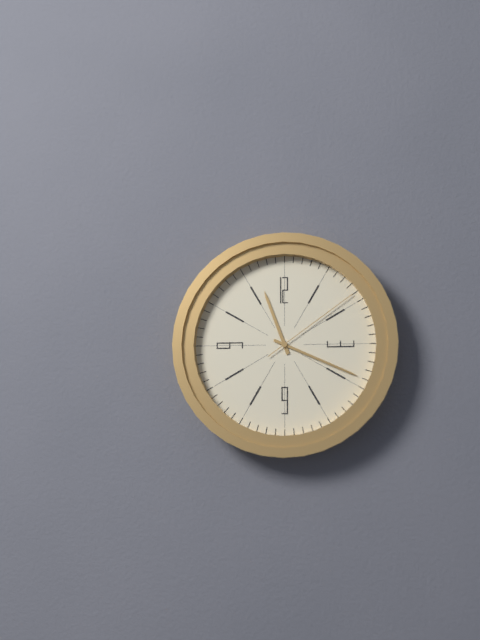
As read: {"hour": 11, "minute": 19, "second": 9}
